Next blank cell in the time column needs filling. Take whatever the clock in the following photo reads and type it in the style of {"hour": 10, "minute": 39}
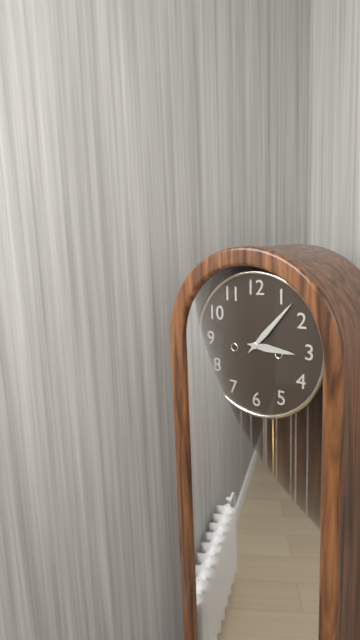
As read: {"hour": 3, "minute": 7}
